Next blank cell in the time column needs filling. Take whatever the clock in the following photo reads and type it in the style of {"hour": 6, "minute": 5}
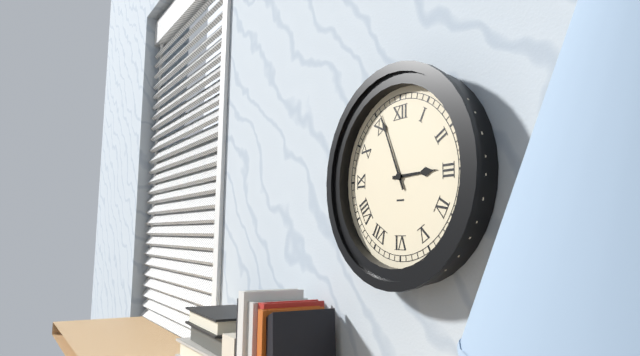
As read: {"hour": 2, "minute": 56}
